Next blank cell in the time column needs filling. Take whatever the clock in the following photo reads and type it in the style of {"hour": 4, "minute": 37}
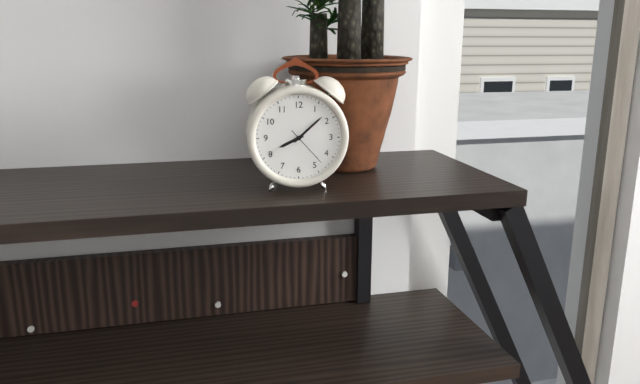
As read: {"hour": 8, "minute": 8}
